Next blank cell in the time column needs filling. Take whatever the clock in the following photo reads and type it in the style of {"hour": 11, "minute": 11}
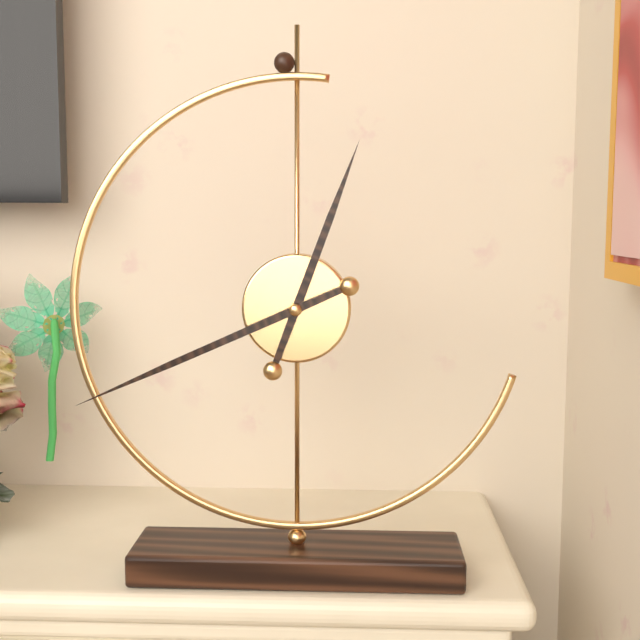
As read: {"hour": 12, "minute": 41}
